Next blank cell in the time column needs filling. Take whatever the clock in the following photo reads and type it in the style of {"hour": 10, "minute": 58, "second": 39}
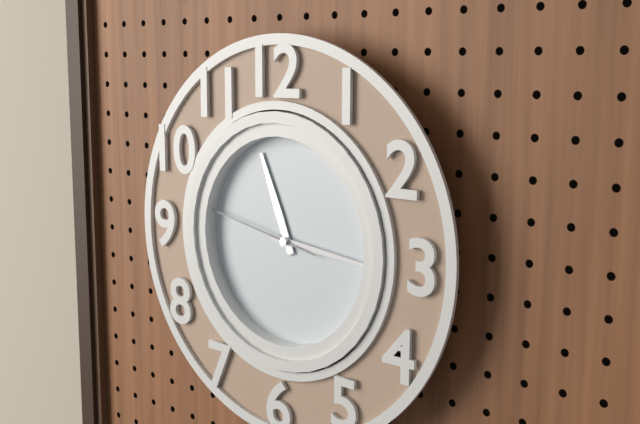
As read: {"hour": 11, "minute": 16, "second": 47}
